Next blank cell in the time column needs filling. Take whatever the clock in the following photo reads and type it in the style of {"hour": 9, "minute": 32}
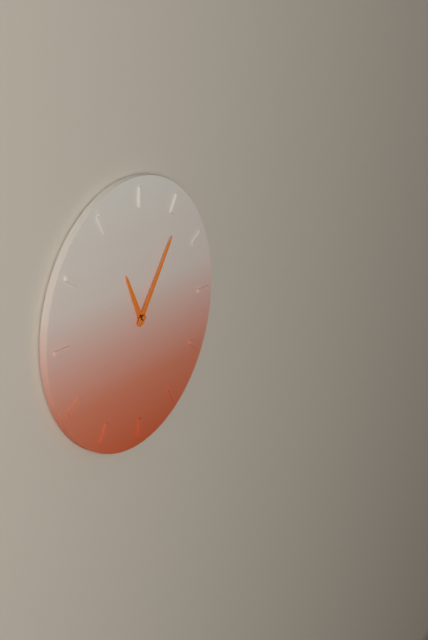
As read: {"hour": 11, "minute": 6}
